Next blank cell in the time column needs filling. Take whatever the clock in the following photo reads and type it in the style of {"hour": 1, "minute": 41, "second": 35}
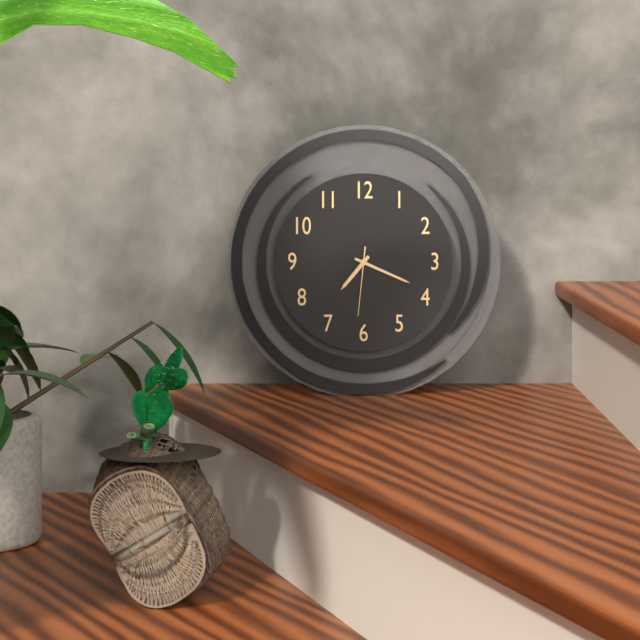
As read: {"hour": 7, "minute": 19, "second": 31}
